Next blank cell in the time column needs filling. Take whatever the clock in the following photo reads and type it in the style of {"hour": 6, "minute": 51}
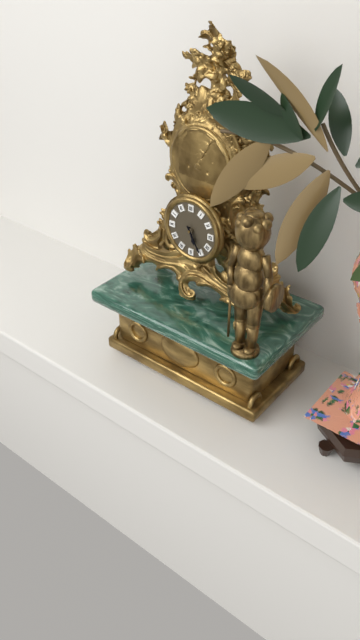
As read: {"hour": 5, "minute": 25}
